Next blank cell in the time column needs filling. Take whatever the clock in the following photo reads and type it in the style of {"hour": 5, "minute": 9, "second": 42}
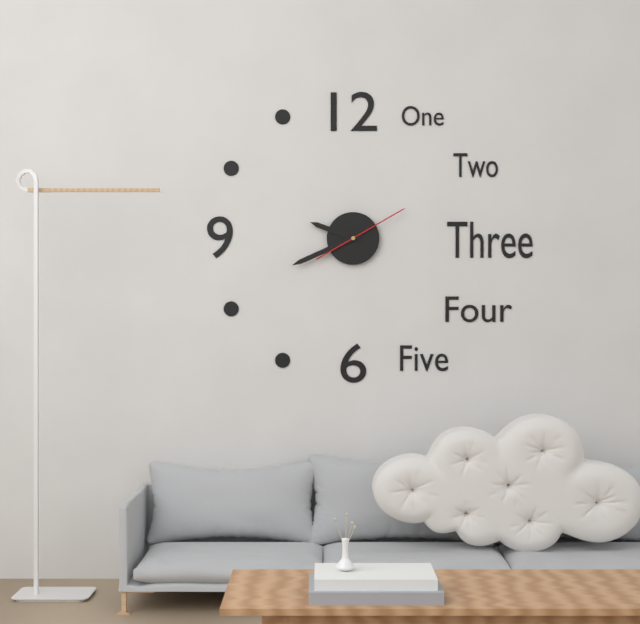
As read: {"hour": 9, "minute": 41, "second": 10}
